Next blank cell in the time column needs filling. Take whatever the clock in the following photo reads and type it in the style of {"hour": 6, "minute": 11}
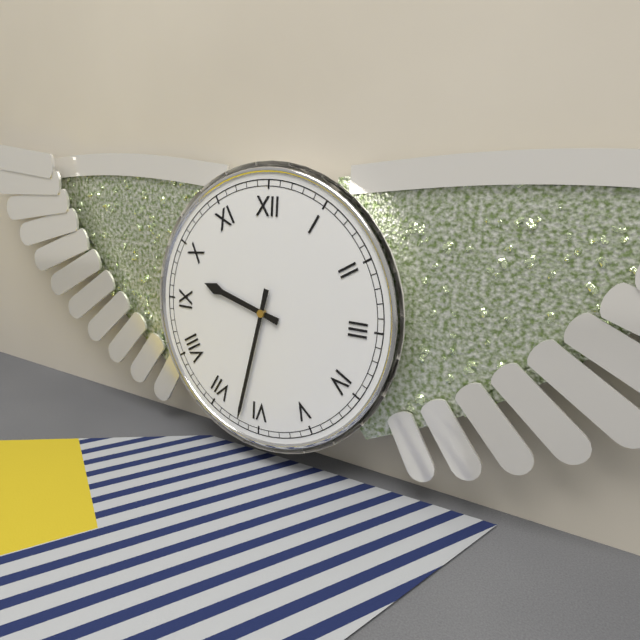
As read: {"hour": 9, "minute": 32}
